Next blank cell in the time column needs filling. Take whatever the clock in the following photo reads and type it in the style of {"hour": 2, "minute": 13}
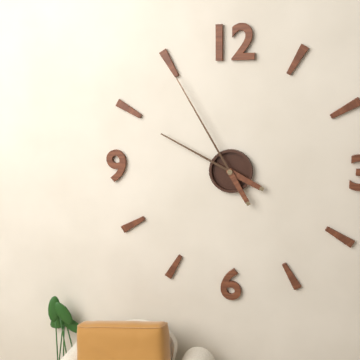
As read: {"hour": 9, "minute": 55}
